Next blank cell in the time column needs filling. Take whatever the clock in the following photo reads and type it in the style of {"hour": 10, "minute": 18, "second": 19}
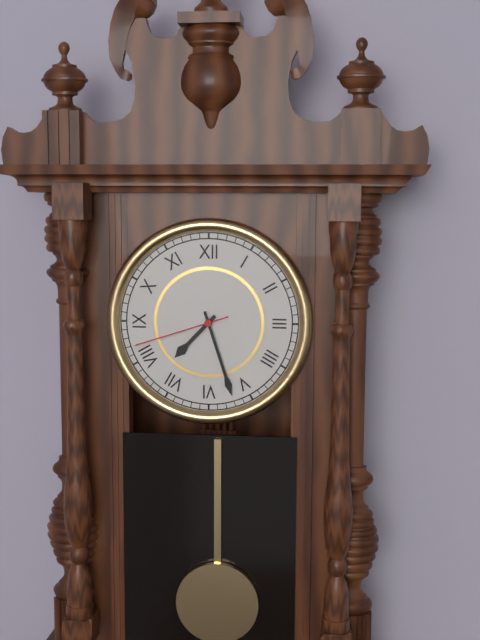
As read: {"hour": 7, "minute": 27, "second": 42}
